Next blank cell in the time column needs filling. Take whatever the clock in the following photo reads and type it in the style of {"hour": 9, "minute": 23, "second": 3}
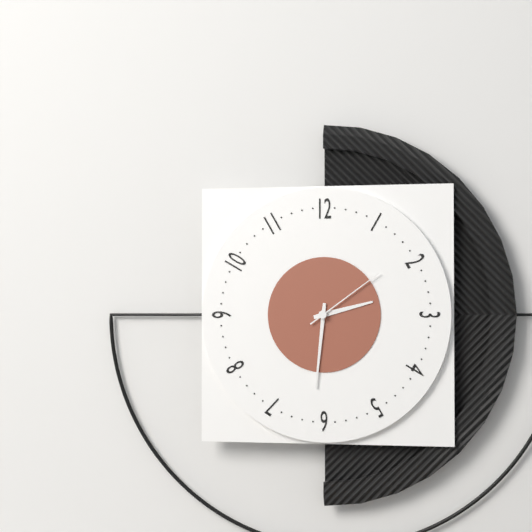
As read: {"hour": 2, "minute": 31, "second": 9}
